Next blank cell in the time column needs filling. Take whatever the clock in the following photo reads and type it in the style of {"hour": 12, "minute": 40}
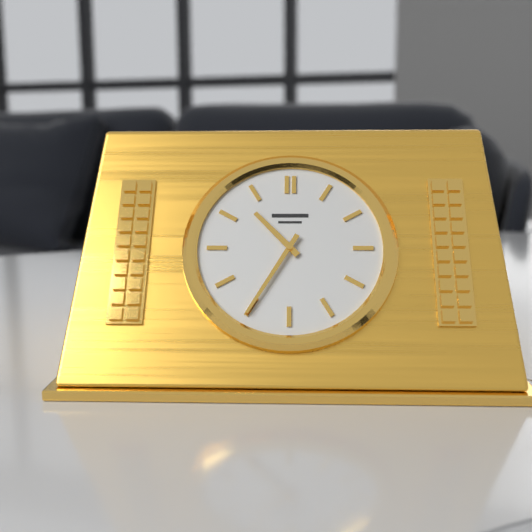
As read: {"hour": 10, "minute": 35}
